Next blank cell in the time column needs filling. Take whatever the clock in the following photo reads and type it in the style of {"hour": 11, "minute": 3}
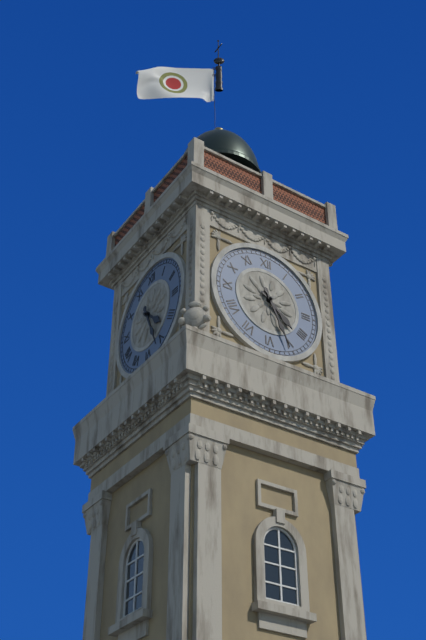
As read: {"hour": 4, "minute": 26}
